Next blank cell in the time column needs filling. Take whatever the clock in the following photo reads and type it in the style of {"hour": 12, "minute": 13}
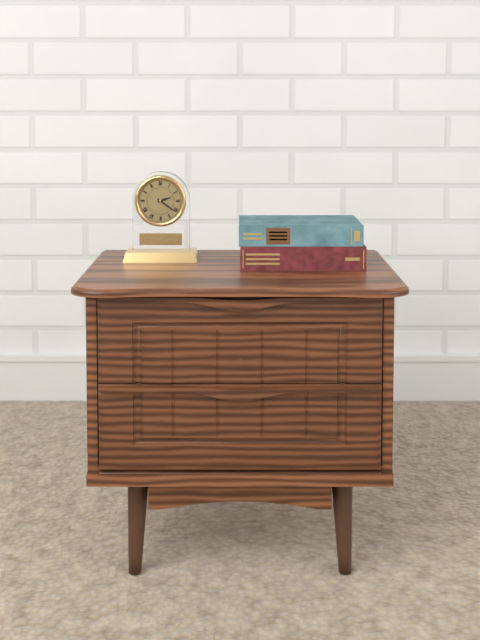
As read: {"hour": 2, "minute": 21}
